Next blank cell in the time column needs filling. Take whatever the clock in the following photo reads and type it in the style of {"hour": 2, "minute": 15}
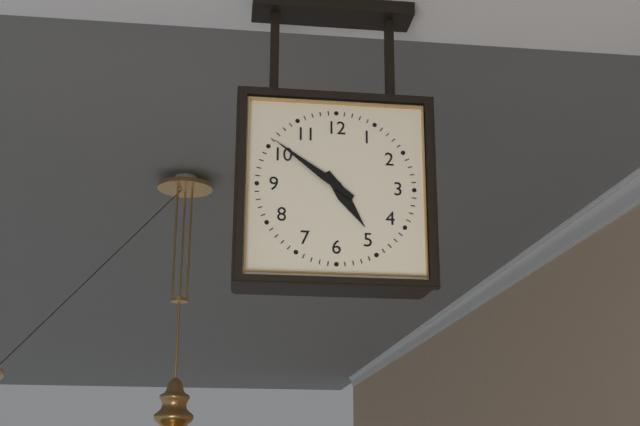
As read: {"hour": 4, "minute": 51}
